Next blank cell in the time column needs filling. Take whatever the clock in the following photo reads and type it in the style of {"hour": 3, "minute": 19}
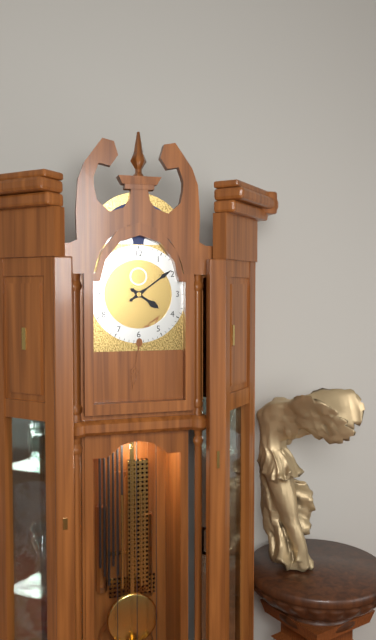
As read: {"hour": 4, "minute": 9}
